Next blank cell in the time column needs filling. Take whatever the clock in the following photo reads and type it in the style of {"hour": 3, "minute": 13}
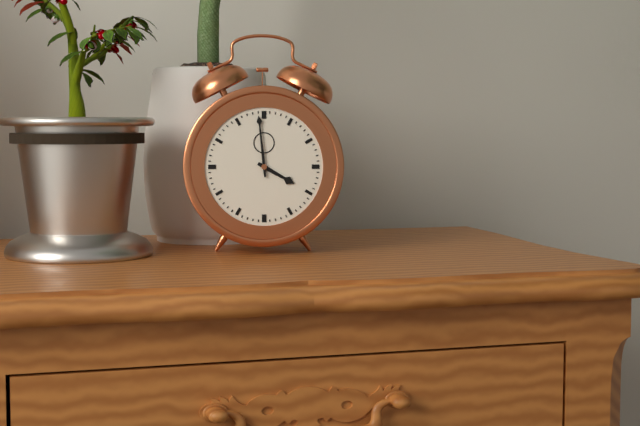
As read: {"hour": 3, "minute": 59}
